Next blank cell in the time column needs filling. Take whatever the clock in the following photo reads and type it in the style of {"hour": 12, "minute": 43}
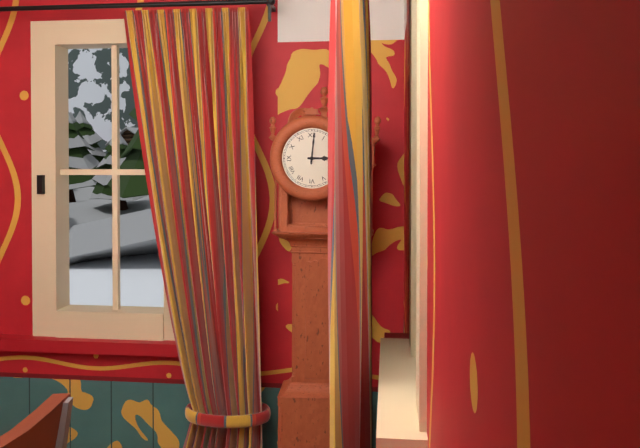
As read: {"hour": 3, "minute": 1}
